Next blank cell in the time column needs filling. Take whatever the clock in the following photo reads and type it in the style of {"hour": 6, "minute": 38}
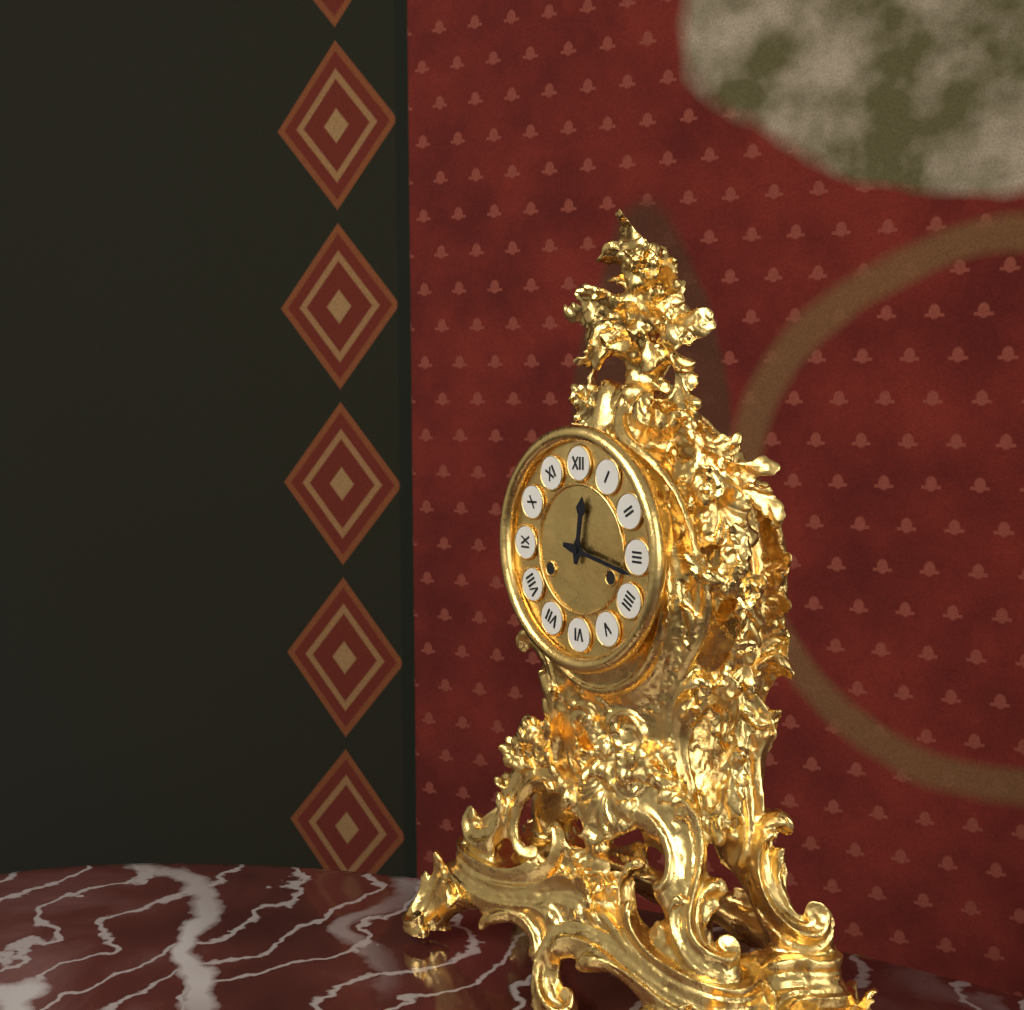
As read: {"hour": 12, "minute": 17}
